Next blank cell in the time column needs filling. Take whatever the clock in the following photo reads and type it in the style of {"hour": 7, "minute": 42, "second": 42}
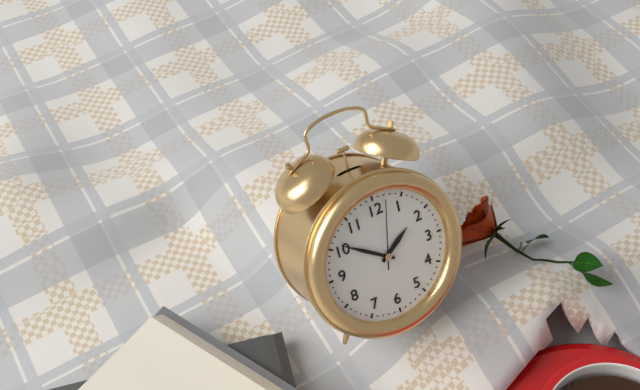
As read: {"hour": 1, "minute": 51, "second": 2}
